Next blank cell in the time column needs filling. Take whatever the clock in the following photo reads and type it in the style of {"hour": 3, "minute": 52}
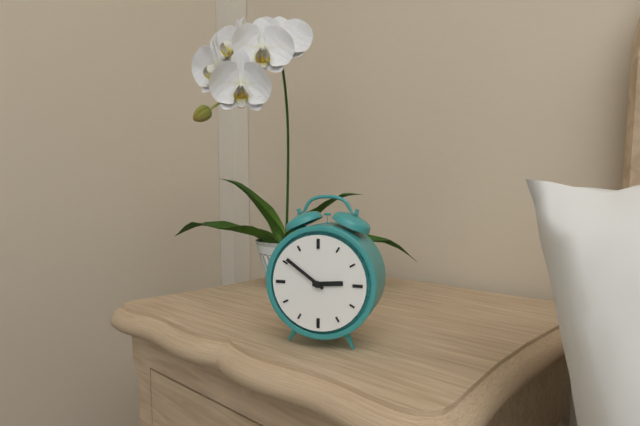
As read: {"hour": 2, "minute": 51}
